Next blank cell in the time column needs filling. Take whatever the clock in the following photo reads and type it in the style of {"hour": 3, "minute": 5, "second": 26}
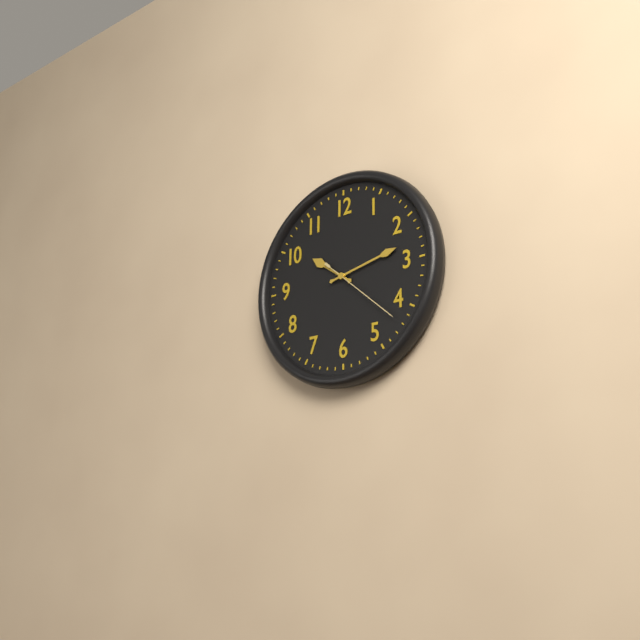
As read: {"hour": 10, "minute": 13, "second": 22}
